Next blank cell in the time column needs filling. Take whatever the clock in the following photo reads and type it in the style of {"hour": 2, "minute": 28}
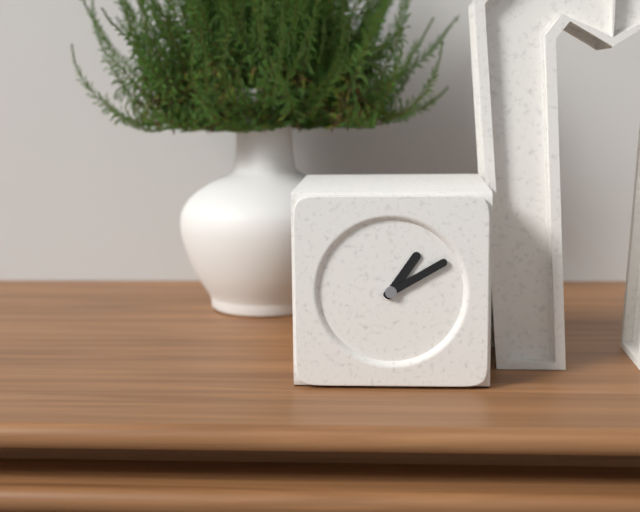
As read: {"hour": 1, "minute": 10}
